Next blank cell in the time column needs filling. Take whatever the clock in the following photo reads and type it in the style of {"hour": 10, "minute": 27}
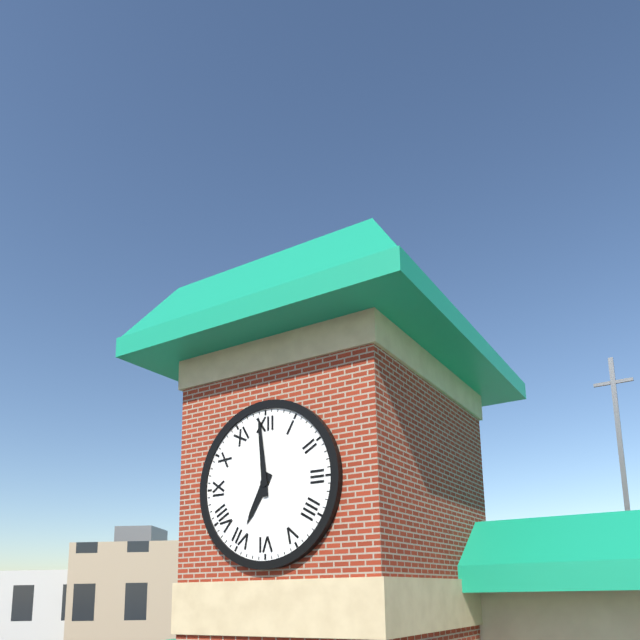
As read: {"hour": 6, "minute": 59}
